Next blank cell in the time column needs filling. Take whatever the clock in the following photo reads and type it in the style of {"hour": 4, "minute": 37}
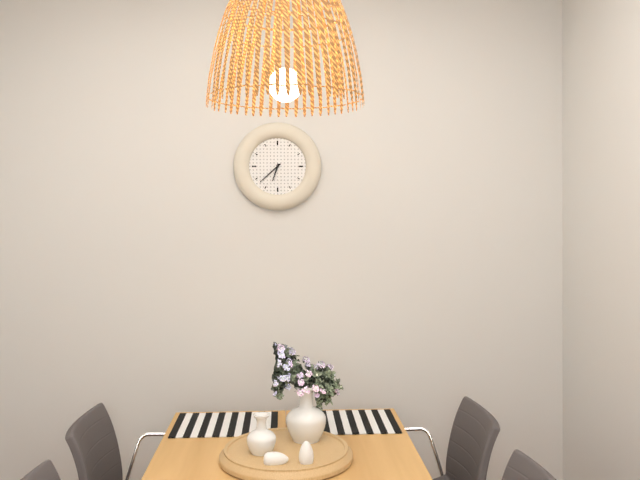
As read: {"hour": 6, "minute": 38}
